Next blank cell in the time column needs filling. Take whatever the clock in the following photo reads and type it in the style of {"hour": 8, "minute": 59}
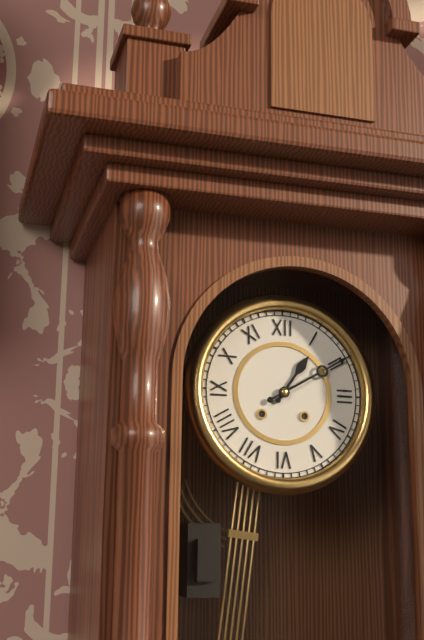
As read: {"hour": 1, "minute": 10}
